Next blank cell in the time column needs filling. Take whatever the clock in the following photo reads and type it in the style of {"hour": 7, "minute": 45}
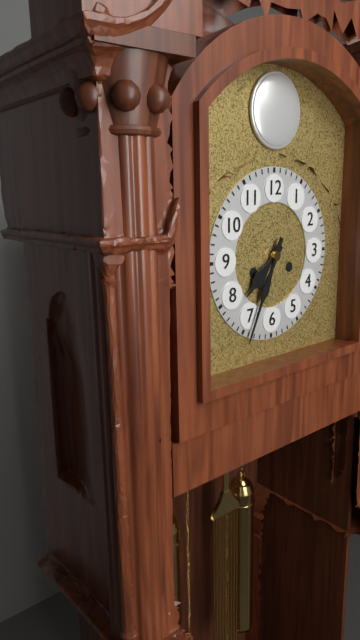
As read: {"hour": 7, "minute": 34}
